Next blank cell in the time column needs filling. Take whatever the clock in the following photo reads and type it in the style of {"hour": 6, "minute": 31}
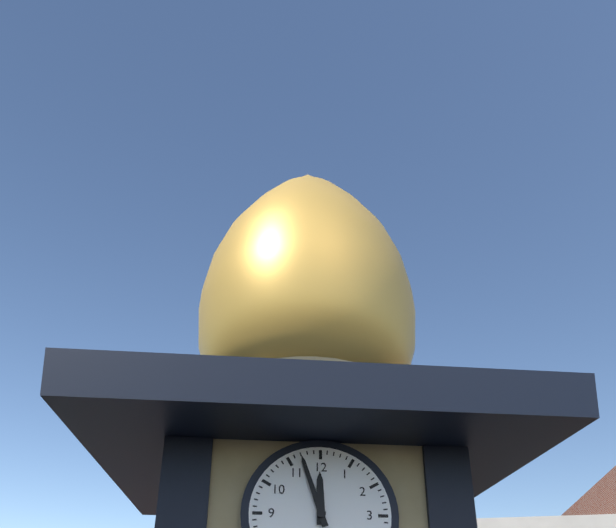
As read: {"hour": 11, "minute": 57}
